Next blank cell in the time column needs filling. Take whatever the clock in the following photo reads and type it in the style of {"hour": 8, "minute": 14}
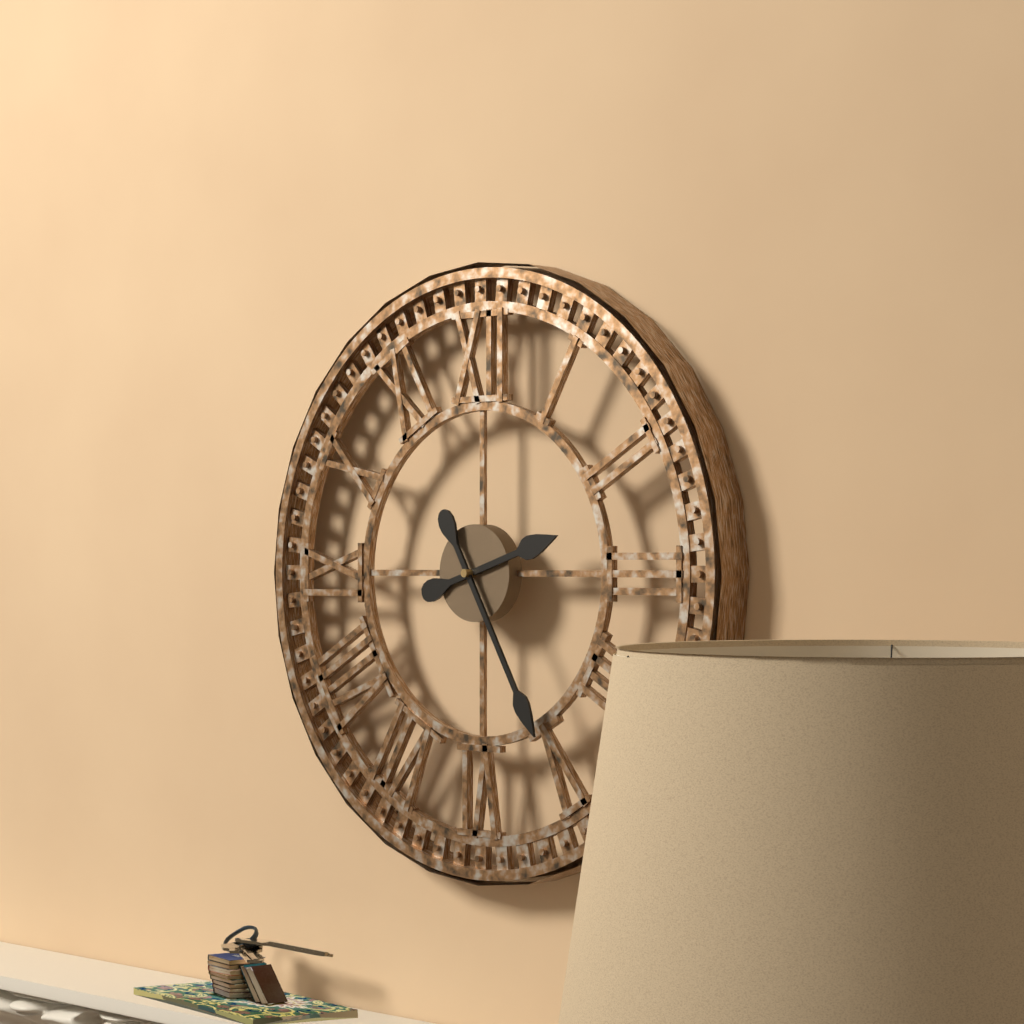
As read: {"hour": 2, "minute": 25}
